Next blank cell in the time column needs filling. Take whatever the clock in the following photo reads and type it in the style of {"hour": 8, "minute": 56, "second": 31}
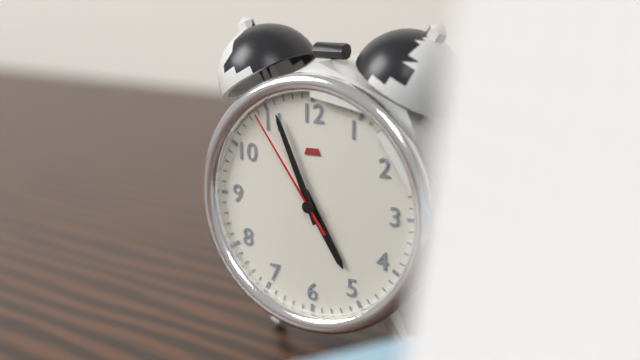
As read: {"hour": 4, "minute": 56, "second": 54}
